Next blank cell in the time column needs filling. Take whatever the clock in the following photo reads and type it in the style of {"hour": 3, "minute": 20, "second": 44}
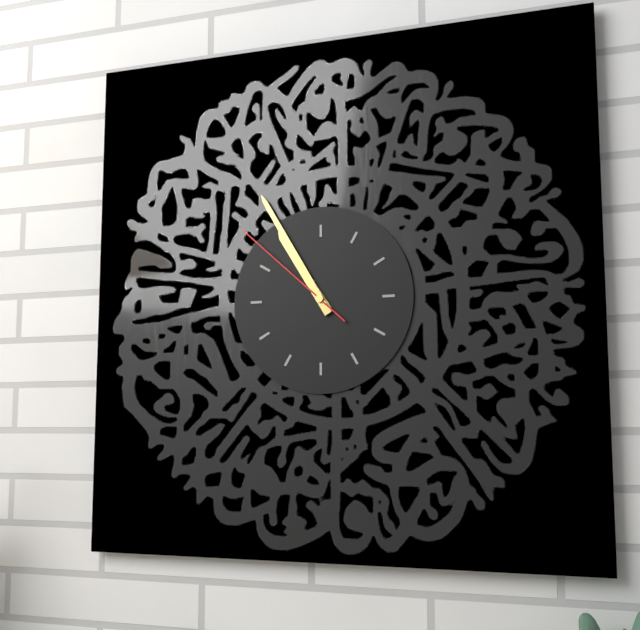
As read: {"hour": 10, "minute": 55, "second": 52}
